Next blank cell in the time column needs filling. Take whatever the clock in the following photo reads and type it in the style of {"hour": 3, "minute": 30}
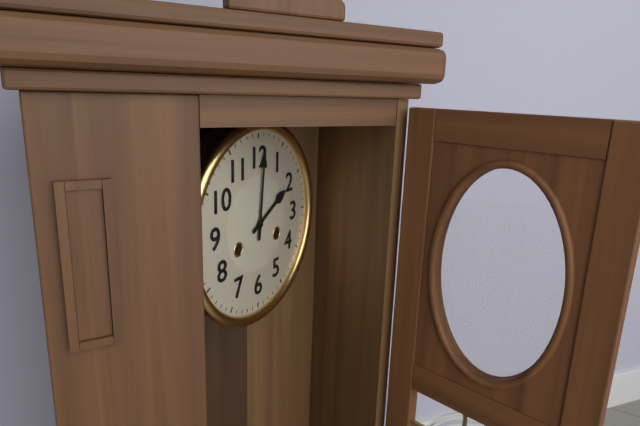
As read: {"hour": 2, "minute": 1}
